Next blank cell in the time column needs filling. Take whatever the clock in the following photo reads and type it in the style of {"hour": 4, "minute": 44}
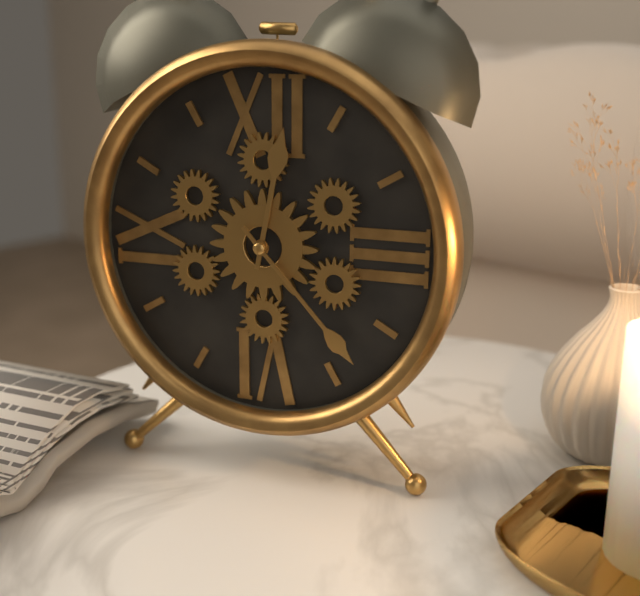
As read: {"hour": 12, "minute": 23}
